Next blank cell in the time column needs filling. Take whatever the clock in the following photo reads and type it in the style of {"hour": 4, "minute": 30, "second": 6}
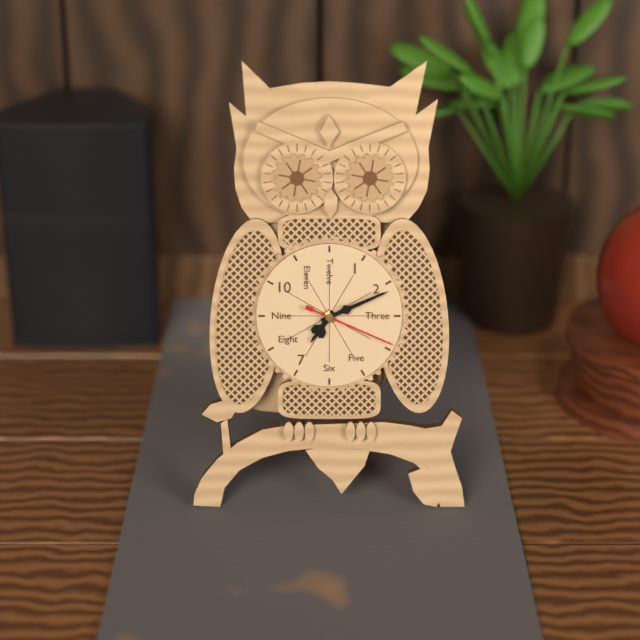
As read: {"hour": 7, "minute": 11, "second": 19}
